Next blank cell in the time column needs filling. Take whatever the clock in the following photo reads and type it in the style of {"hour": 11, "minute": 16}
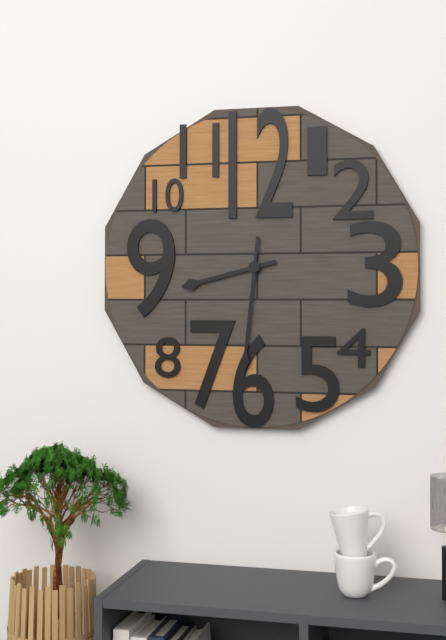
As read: {"hour": 8, "minute": 31}
